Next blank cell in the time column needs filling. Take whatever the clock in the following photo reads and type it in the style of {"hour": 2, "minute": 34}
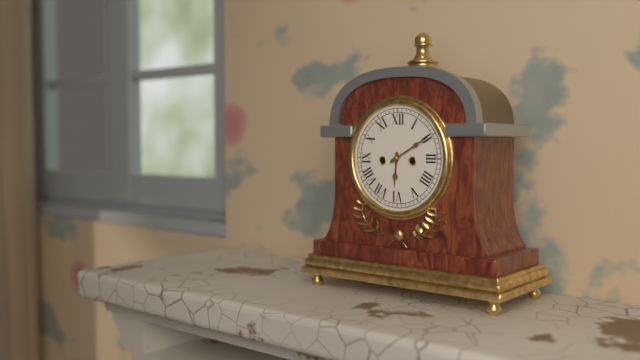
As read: {"hour": 6, "minute": 10}
